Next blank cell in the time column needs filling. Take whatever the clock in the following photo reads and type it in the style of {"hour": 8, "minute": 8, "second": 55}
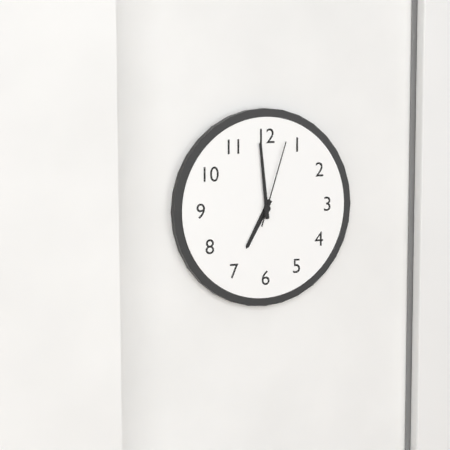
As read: {"hour": 6, "minute": 59, "second": 3}
